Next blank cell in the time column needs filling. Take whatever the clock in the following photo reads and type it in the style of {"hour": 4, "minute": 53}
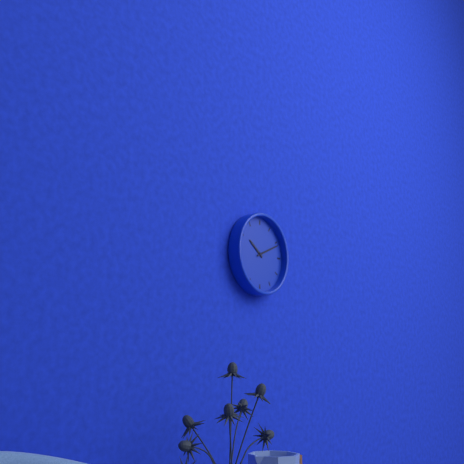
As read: {"hour": 10, "minute": 11}
